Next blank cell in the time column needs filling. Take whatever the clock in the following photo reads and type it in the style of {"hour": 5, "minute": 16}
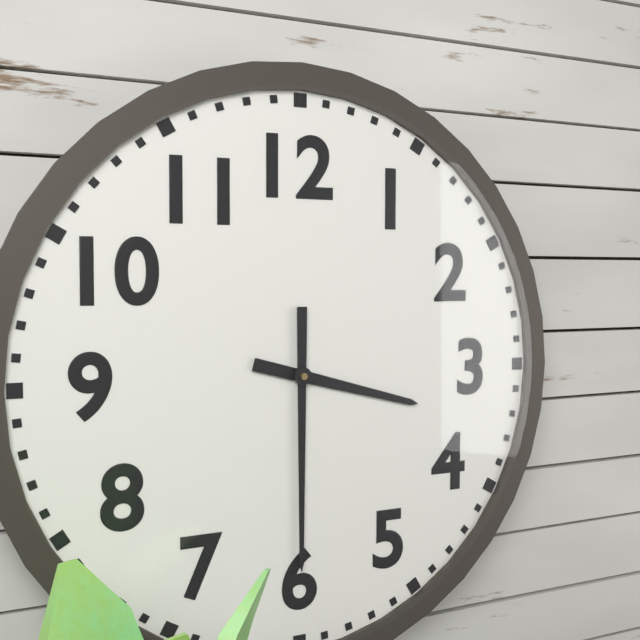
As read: {"hour": 3, "minute": 30}
